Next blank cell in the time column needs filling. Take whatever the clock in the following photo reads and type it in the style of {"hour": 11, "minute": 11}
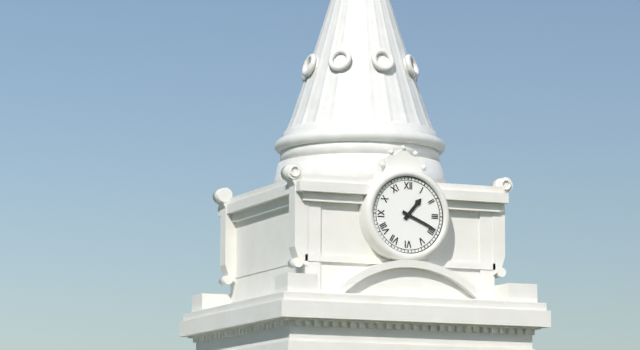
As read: {"hour": 1, "minute": 19}
